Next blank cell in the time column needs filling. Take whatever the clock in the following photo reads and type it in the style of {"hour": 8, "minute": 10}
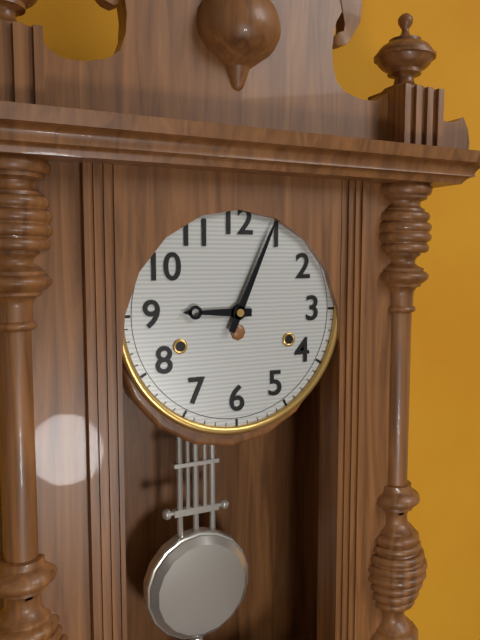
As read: {"hour": 9, "minute": 4}
